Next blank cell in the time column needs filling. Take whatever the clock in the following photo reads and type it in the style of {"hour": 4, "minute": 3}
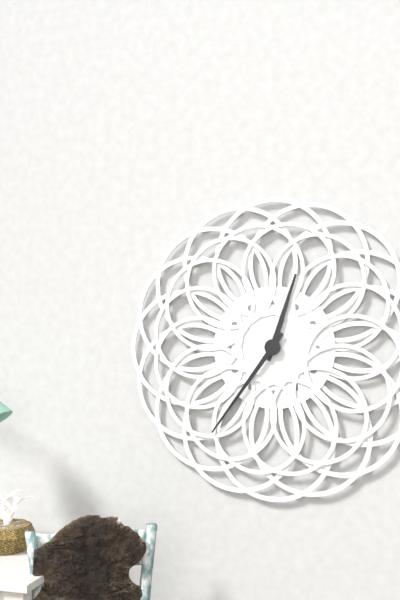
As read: {"hour": 12, "minute": 36}
